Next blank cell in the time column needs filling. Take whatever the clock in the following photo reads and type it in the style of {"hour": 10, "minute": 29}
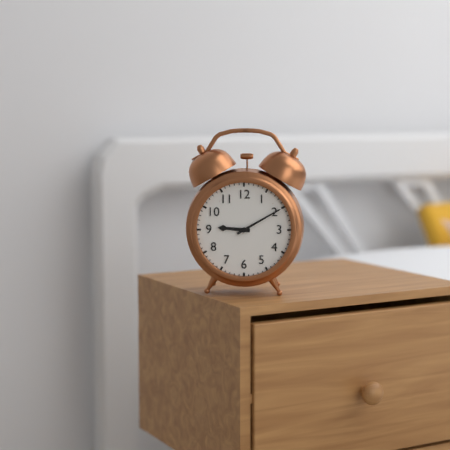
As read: {"hour": 9, "minute": 10}
